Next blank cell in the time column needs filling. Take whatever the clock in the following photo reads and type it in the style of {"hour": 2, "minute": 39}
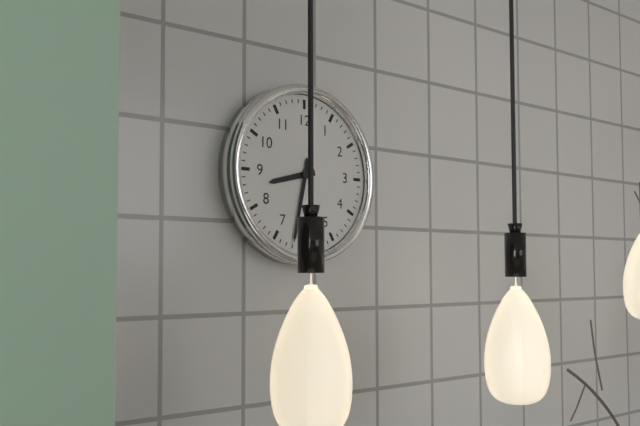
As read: {"hour": 8, "minute": 32}
